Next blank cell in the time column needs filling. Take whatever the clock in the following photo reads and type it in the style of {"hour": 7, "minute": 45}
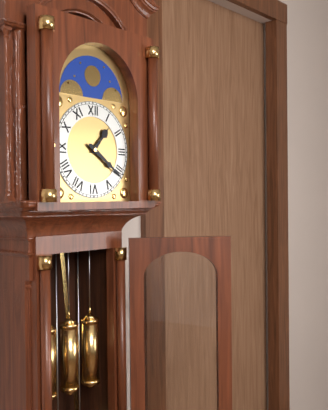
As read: {"hour": 1, "minute": 21}
